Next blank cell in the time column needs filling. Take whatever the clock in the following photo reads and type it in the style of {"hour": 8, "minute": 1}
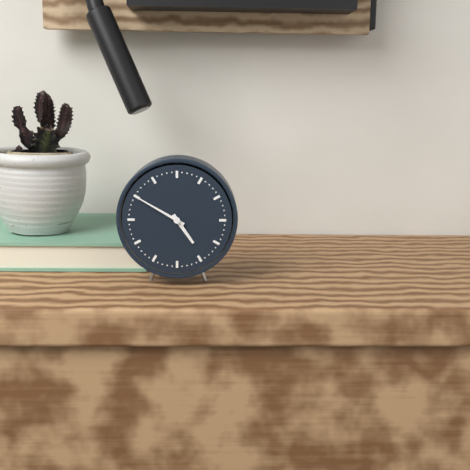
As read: {"hour": 4, "minute": 50}
